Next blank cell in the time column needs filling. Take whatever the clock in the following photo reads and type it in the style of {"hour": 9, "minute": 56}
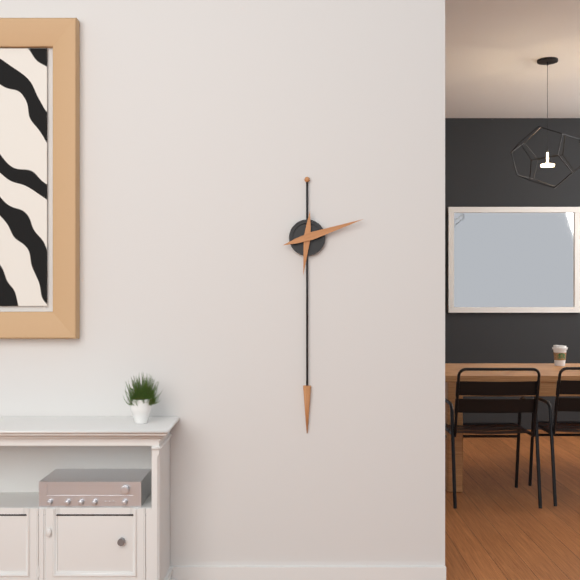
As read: {"hour": 6, "minute": 12}
